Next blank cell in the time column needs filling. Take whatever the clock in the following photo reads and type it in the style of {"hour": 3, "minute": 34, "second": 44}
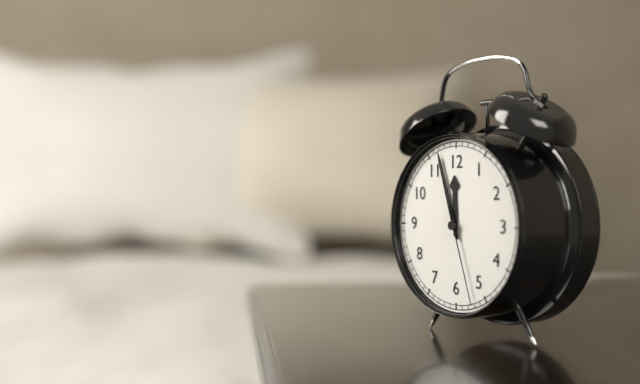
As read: {"hour": 11, "minute": 57, "second": 27}
